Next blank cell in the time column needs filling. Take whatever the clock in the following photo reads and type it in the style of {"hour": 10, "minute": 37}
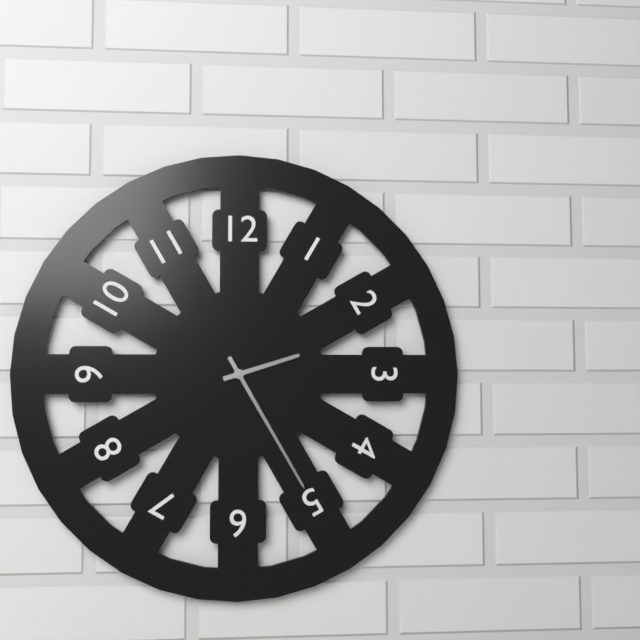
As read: {"hour": 2, "minute": 25}
